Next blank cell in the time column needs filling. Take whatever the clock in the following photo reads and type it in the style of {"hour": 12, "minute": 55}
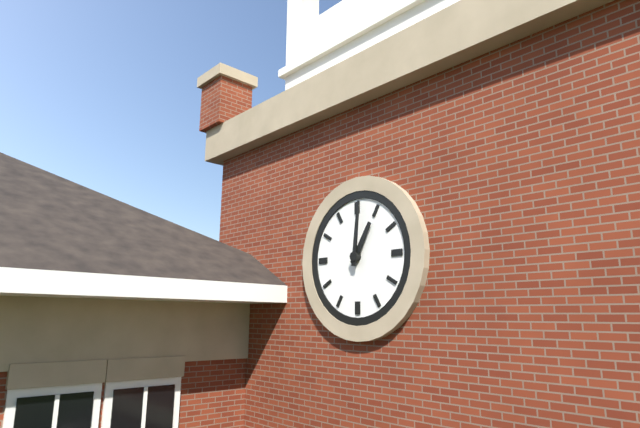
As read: {"hour": 1, "minute": 1}
